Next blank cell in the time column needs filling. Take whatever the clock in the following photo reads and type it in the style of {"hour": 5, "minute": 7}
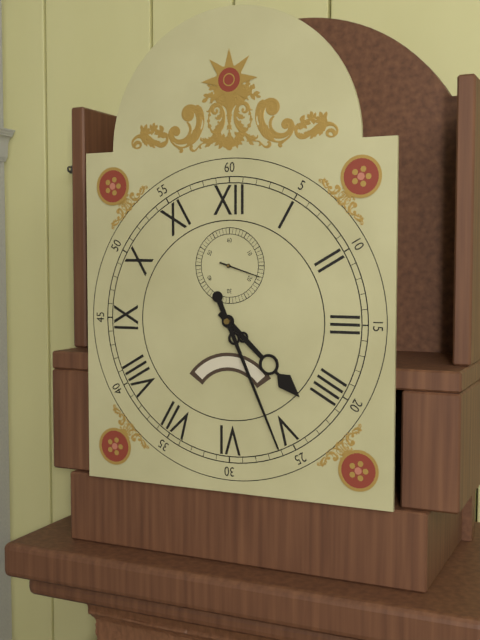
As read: {"hour": 4, "minute": 26}
